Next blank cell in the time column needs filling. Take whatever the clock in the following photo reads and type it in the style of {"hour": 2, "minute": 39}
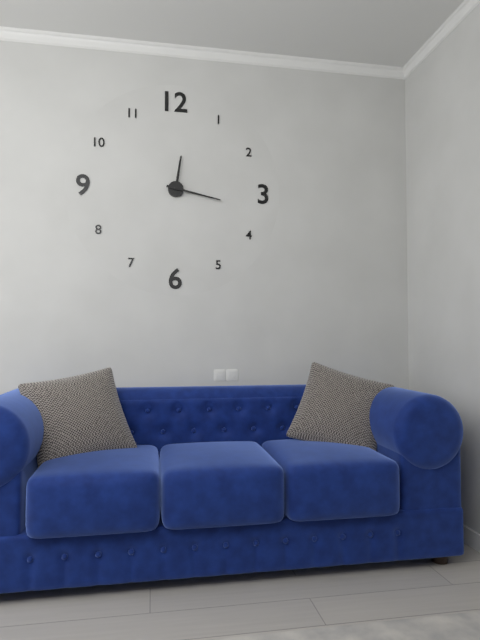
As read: {"hour": 12, "minute": 17}
